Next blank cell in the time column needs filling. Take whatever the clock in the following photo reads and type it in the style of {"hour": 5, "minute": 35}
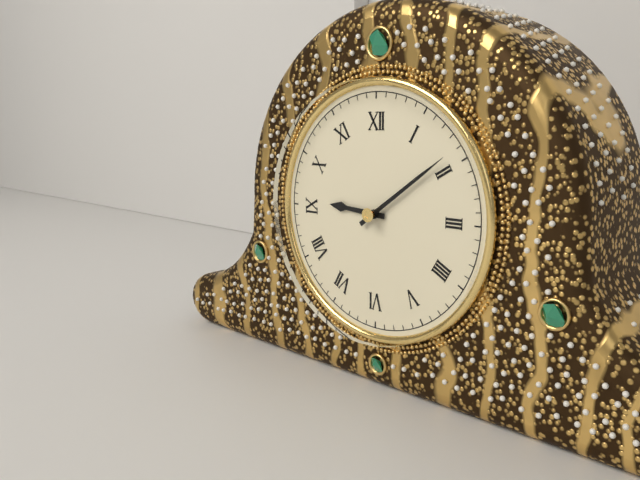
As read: {"hour": 9, "minute": 9}
